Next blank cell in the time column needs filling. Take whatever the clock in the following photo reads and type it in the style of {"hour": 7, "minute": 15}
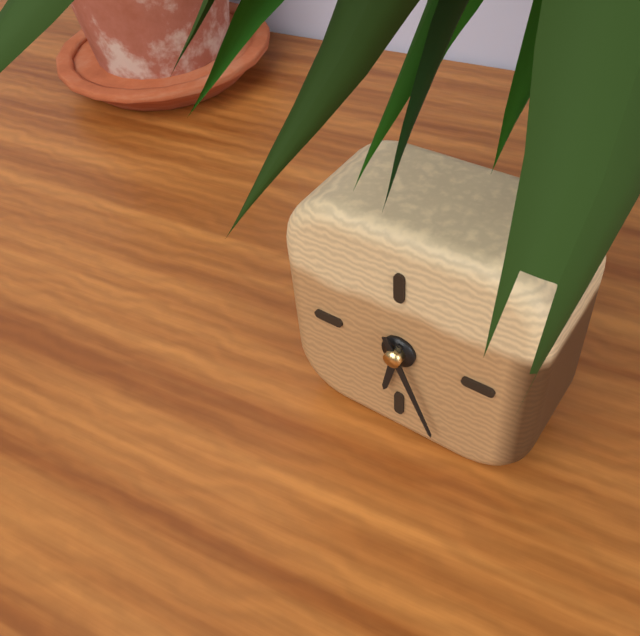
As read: {"hour": 6, "minute": 26}
